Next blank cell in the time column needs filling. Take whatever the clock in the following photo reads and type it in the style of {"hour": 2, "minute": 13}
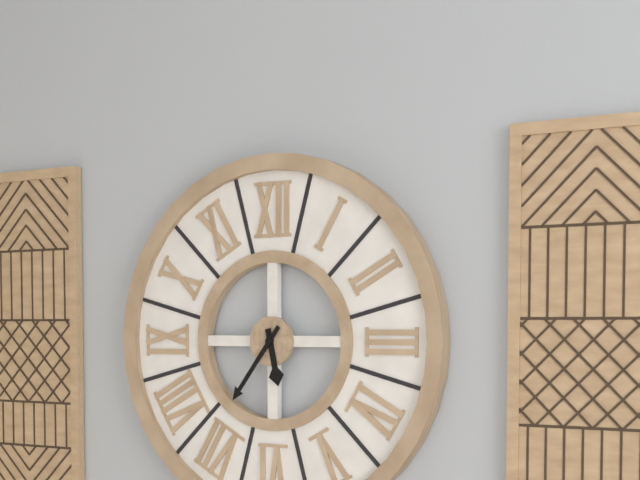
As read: {"hour": 5, "minute": 36}
